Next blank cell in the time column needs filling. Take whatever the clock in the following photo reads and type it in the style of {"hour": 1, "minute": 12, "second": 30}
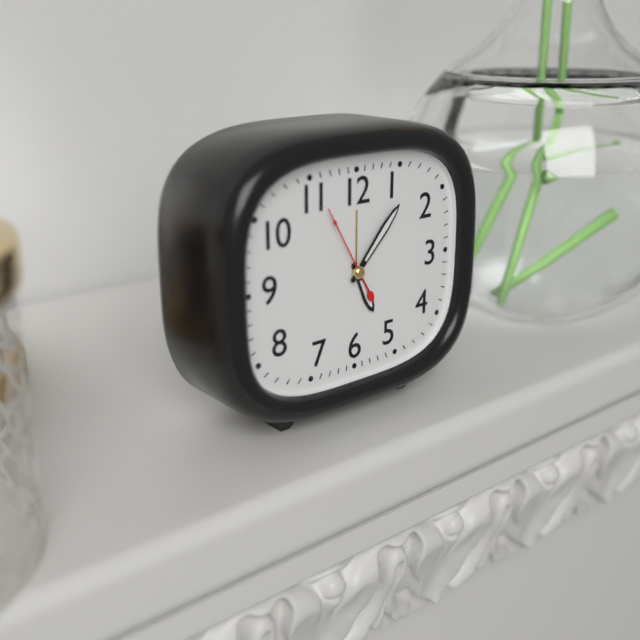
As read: {"hour": 5, "minute": 7, "second": 55}
